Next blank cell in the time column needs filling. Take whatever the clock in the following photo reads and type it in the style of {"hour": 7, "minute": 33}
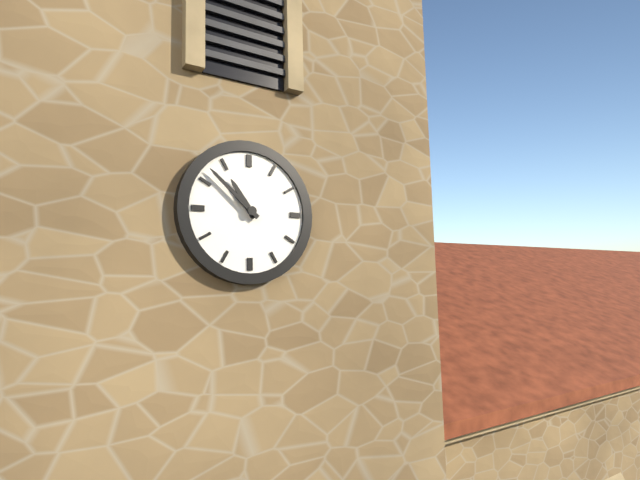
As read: {"hour": 10, "minute": 52}
